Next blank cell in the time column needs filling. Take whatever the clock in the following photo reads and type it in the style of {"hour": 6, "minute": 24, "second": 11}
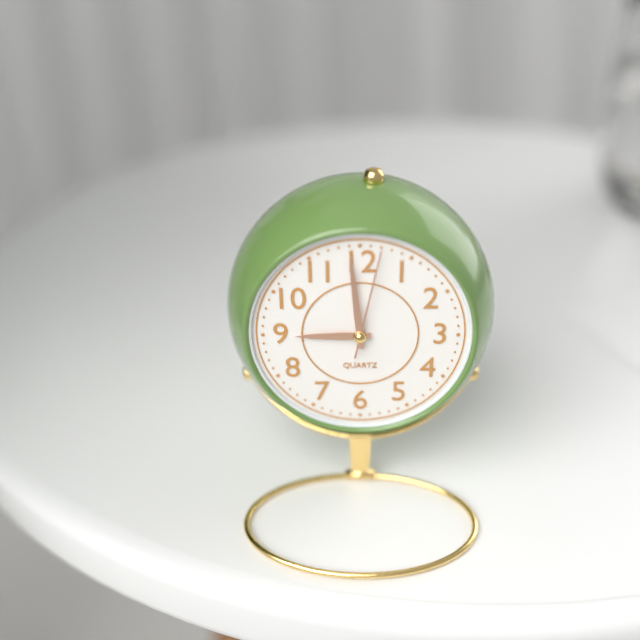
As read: {"hour": 8, "minute": 59, "second": 2}
